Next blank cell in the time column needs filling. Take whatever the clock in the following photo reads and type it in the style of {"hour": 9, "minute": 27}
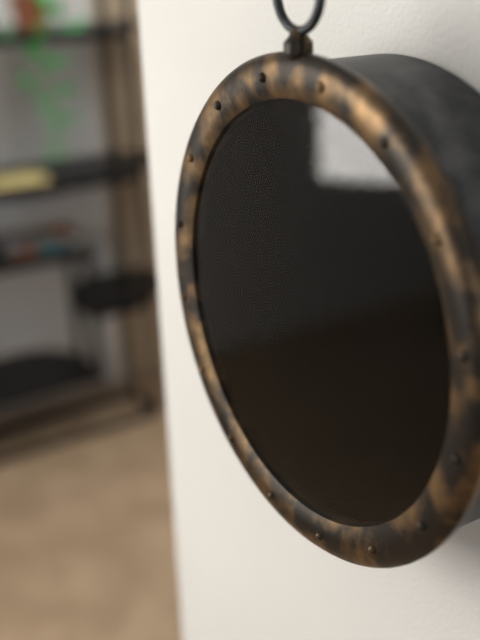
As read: {"hour": 2, "minute": 37}
